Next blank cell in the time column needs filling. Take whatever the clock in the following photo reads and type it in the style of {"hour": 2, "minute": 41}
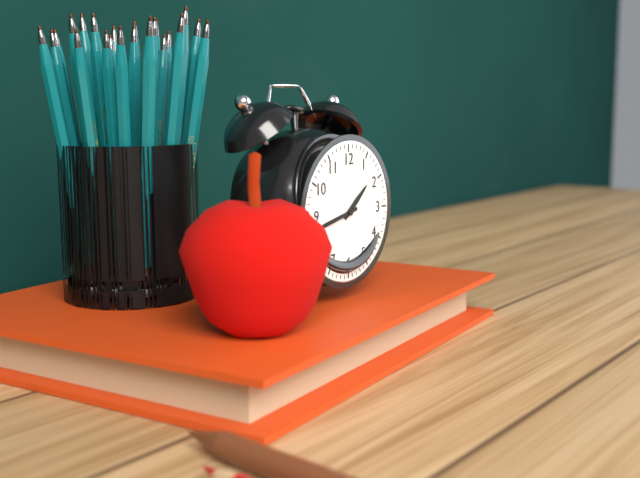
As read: {"hour": 1, "minute": 43}
